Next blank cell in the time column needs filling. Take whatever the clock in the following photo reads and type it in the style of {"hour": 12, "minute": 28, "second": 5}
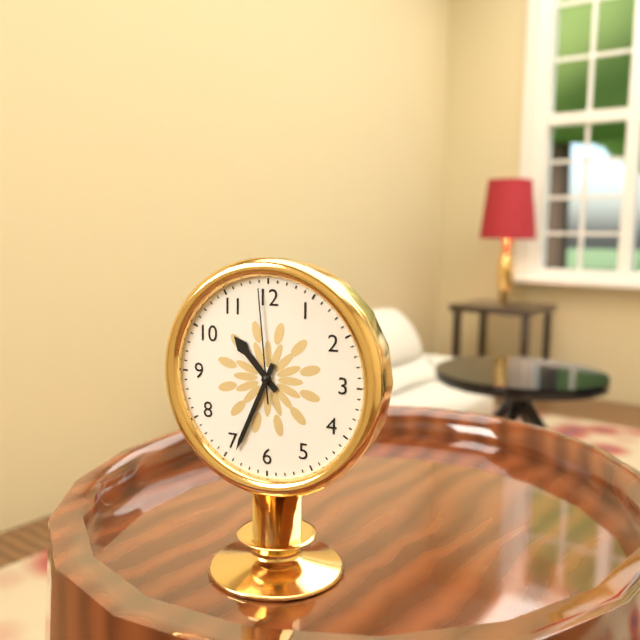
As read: {"hour": 10, "minute": 34, "second": 59}
